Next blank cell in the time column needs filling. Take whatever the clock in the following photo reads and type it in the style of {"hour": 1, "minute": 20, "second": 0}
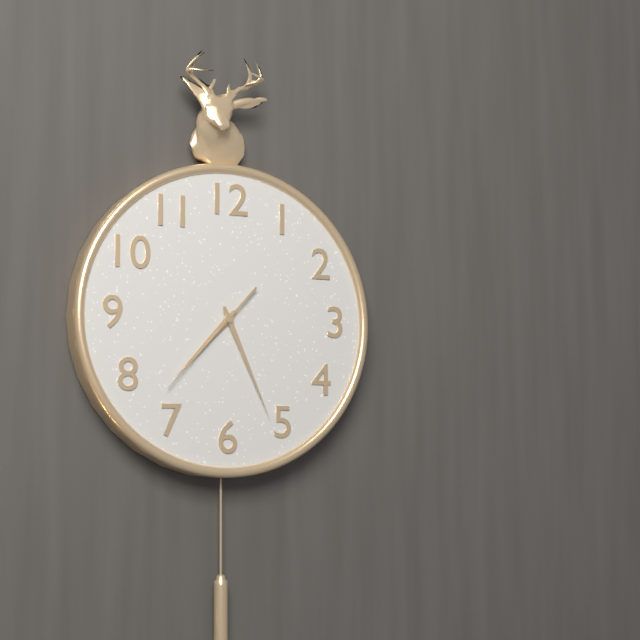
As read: {"hour": 7, "minute": 26, "second": 37}
